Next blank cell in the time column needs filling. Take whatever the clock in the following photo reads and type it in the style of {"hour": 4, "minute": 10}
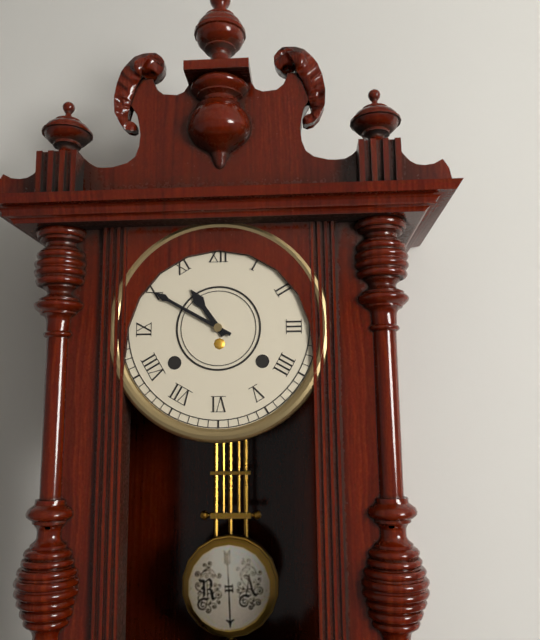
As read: {"hour": 10, "minute": 50}
